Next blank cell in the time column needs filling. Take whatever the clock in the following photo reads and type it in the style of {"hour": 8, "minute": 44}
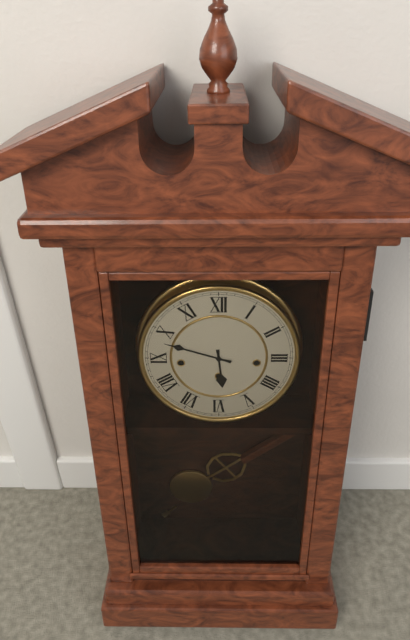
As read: {"hour": 5, "minute": 48}
